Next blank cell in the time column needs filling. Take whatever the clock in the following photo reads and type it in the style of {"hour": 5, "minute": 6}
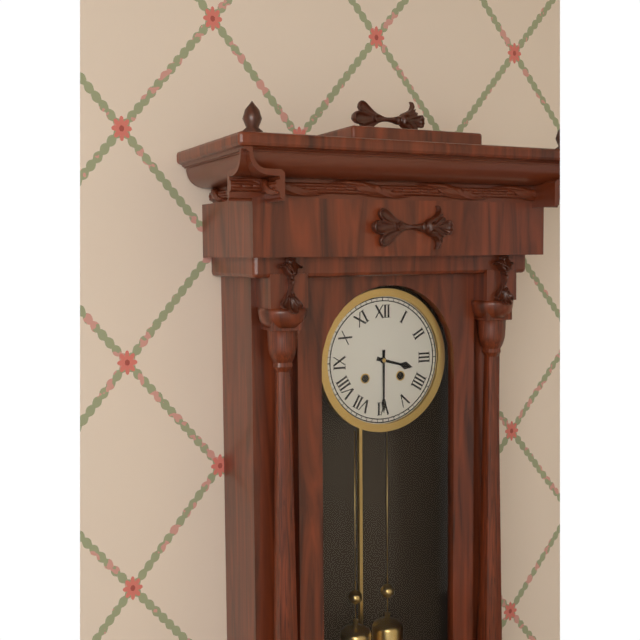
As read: {"hour": 3, "minute": 30}
